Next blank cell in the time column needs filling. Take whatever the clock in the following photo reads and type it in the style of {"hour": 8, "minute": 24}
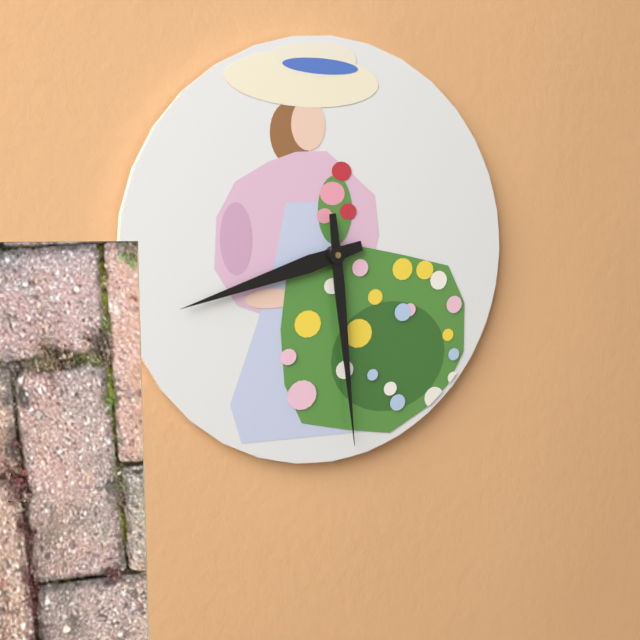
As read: {"hour": 8, "minute": 29}
